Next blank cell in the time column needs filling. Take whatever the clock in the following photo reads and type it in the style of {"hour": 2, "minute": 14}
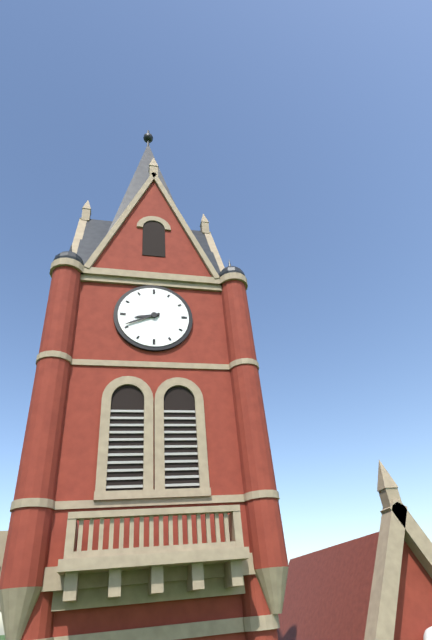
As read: {"hour": 8, "minute": 41}
